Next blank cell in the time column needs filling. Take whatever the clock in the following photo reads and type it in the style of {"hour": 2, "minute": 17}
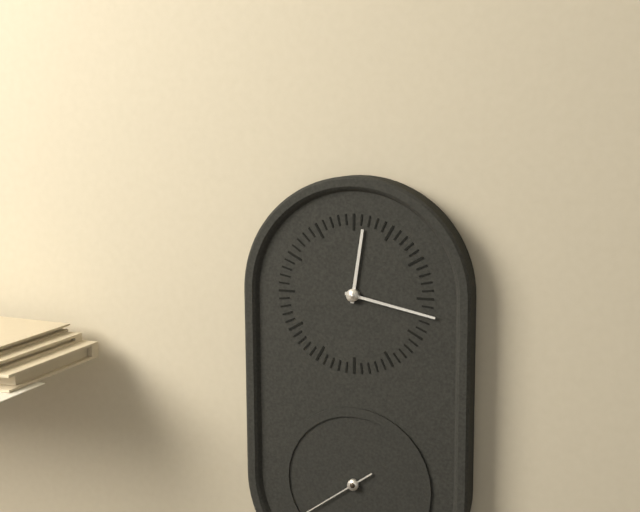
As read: {"hour": 12, "minute": 17}
